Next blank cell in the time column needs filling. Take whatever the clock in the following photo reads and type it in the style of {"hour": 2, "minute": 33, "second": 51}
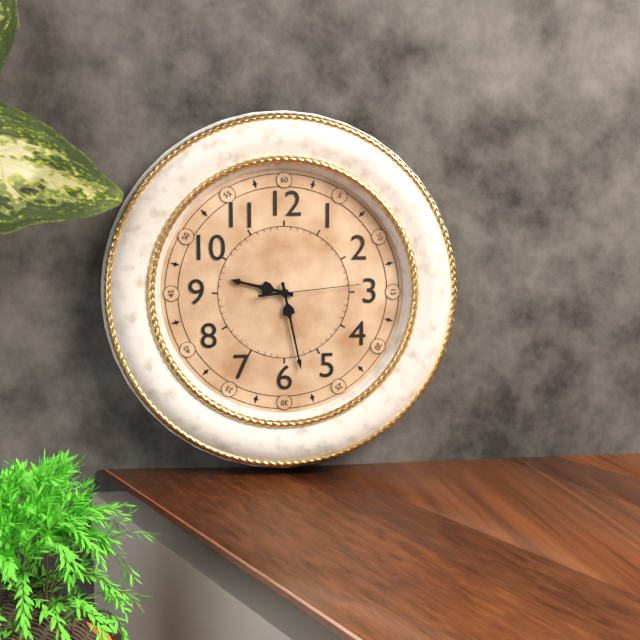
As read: {"hour": 9, "minute": 28, "second": 14}
